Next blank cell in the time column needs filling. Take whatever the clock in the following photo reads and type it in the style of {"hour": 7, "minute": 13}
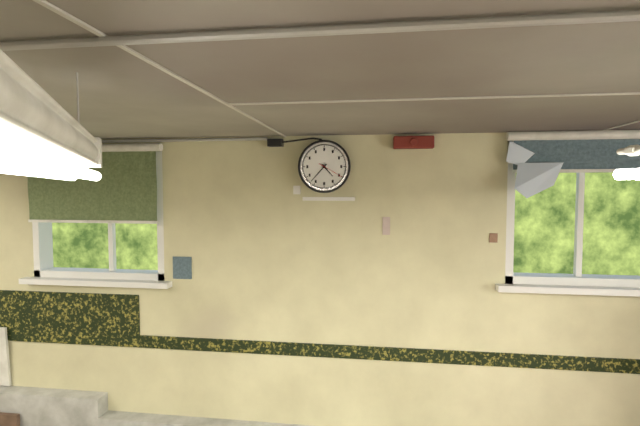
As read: {"hour": 4, "minute": 37}
